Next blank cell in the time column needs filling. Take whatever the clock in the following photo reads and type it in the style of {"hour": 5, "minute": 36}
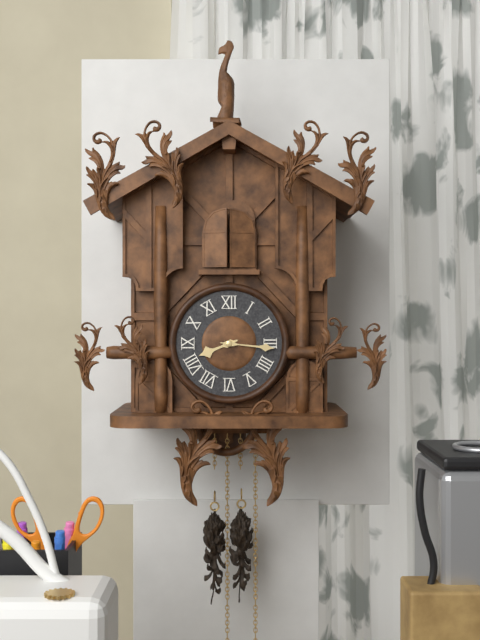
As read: {"hour": 8, "minute": 16}
